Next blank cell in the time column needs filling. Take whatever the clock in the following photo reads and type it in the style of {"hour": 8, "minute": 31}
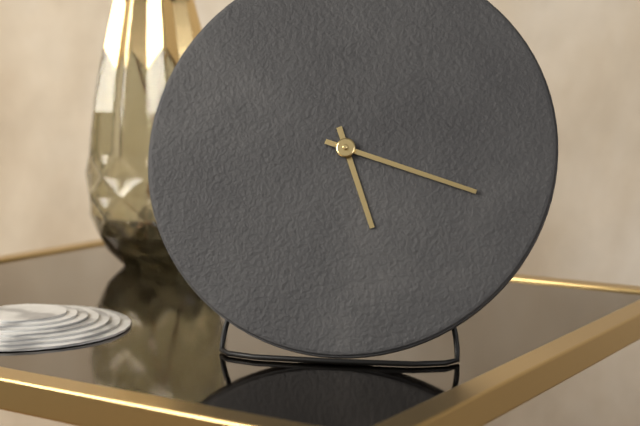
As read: {"hour": 5, "minute": 18}
